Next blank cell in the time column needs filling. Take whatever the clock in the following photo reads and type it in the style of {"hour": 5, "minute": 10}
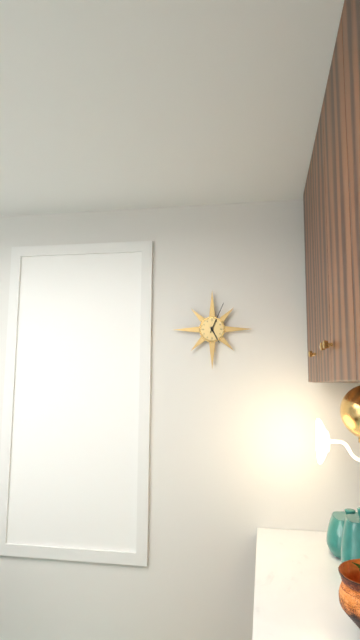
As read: {"hour": 5, "minute": 4}
